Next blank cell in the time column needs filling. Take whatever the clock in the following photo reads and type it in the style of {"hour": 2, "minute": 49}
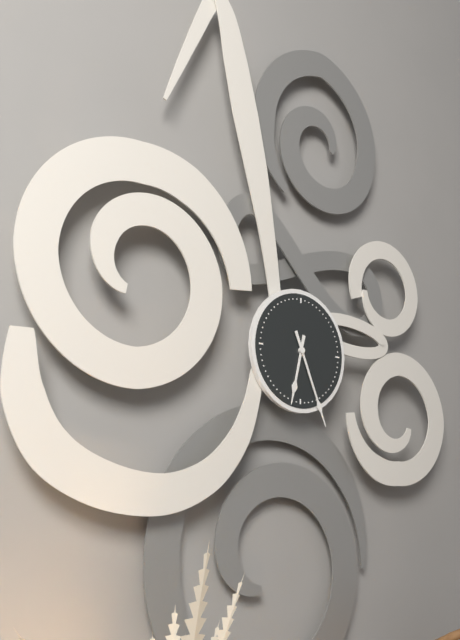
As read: {"hour": 6, "minute": 26}
